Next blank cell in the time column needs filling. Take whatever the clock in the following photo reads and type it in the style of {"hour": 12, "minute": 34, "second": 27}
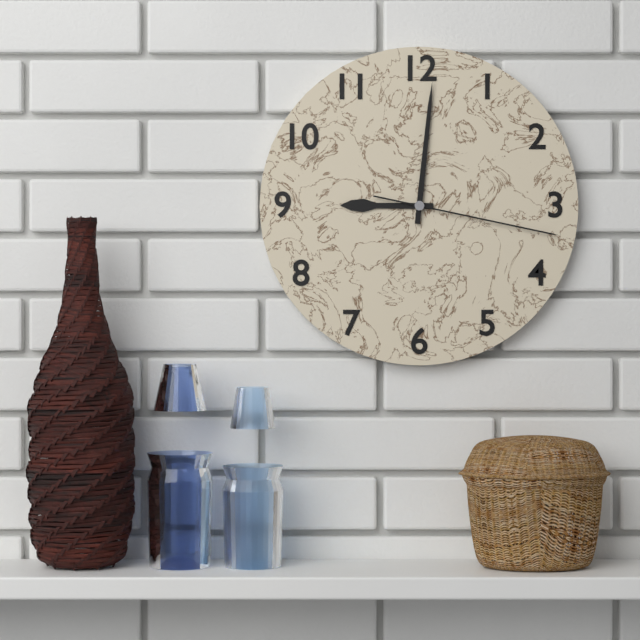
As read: {"hour": 9, "minute": 1, "second": 17}
